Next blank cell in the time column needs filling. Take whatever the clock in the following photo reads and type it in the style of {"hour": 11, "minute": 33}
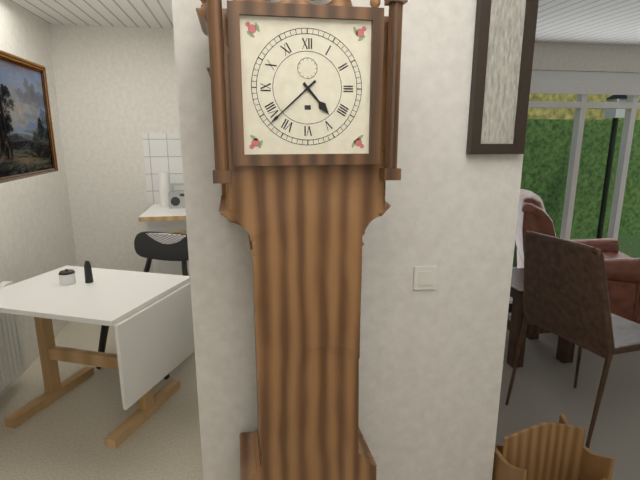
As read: {"hour": 4, "minute": 38}
